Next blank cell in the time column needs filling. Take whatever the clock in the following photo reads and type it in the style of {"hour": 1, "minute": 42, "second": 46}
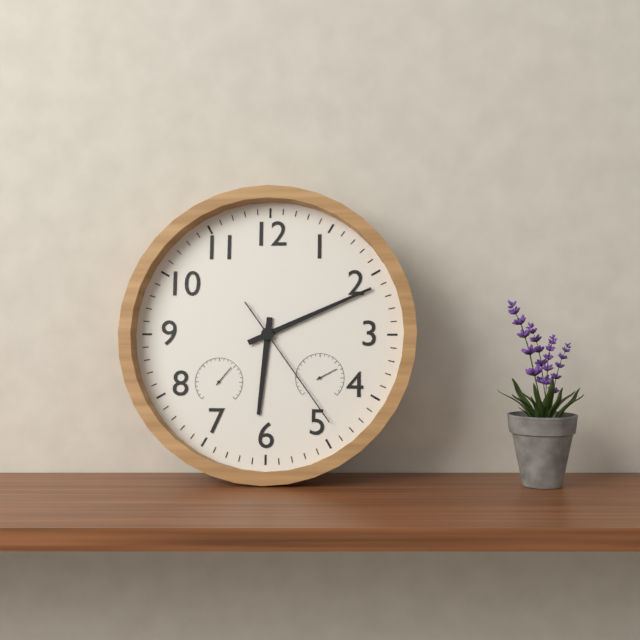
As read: {"hour": 6, "minute": 11, "second": 24}
